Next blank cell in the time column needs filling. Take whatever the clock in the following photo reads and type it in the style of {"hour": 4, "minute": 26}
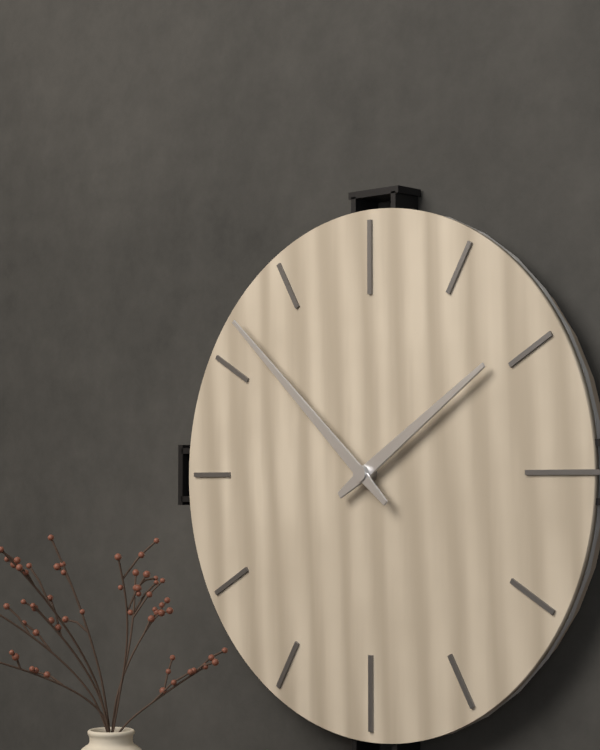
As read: {"hour": 1, "minute": 52}
